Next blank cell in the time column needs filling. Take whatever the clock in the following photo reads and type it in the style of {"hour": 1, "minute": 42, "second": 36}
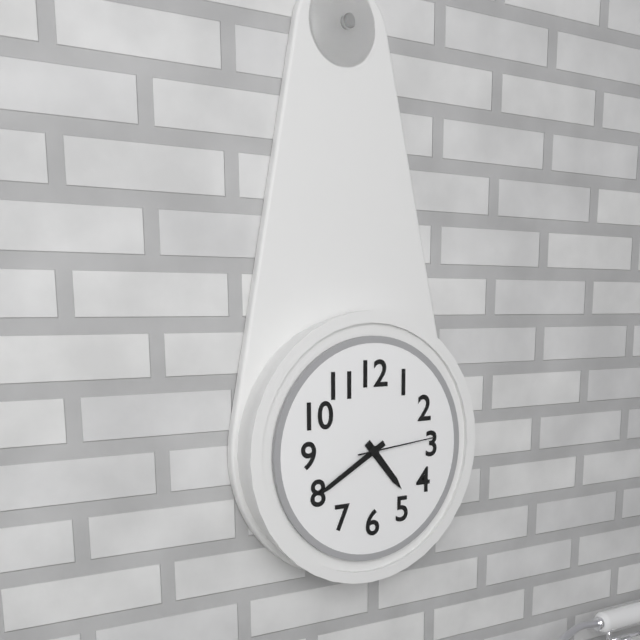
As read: {"hour": 4, "minute": 40, "second": 14}
